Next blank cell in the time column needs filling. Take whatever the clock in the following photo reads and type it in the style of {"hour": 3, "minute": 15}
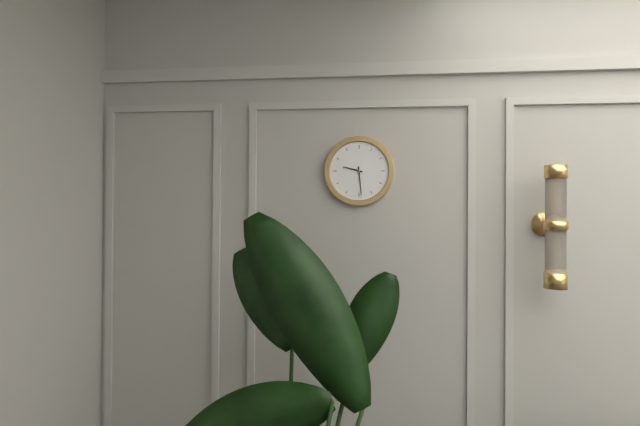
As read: {"hour": 9, "minute": 29}
